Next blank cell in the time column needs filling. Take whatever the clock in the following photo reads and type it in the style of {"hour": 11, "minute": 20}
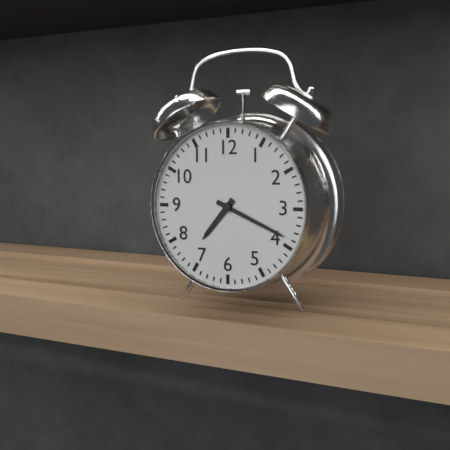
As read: {"hour": 7, "minute": 19}
